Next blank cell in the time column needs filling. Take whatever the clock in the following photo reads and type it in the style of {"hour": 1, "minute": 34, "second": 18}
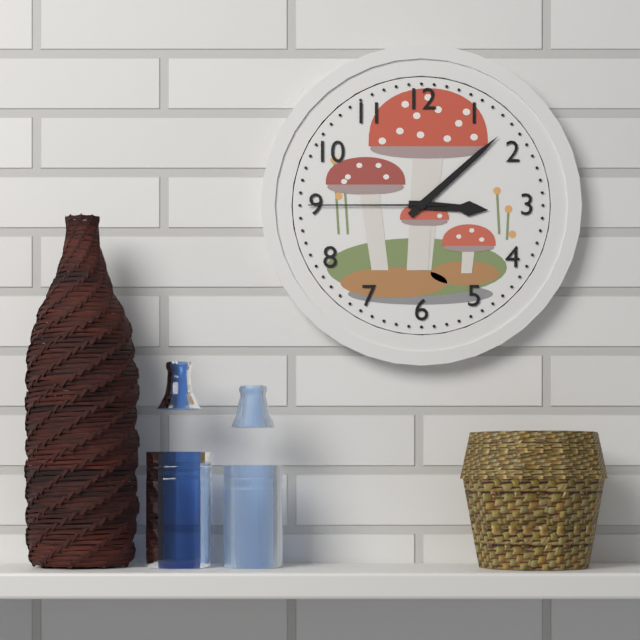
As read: {"hour": 3, "minute": 8, "second": 45}
